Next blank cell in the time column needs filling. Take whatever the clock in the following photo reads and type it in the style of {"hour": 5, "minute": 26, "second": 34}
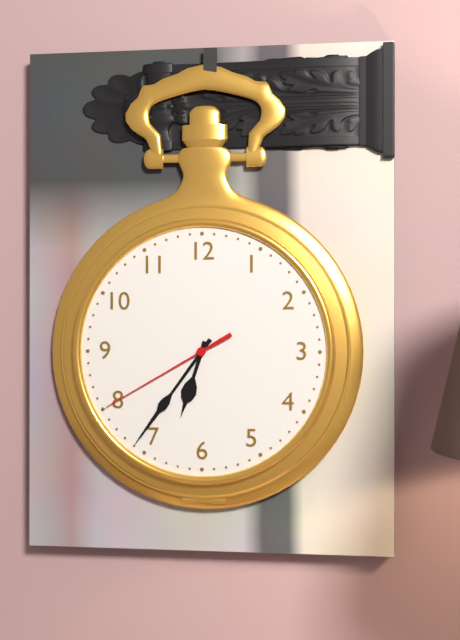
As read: {"hour": 6, "minute": 36, "second": 40}
